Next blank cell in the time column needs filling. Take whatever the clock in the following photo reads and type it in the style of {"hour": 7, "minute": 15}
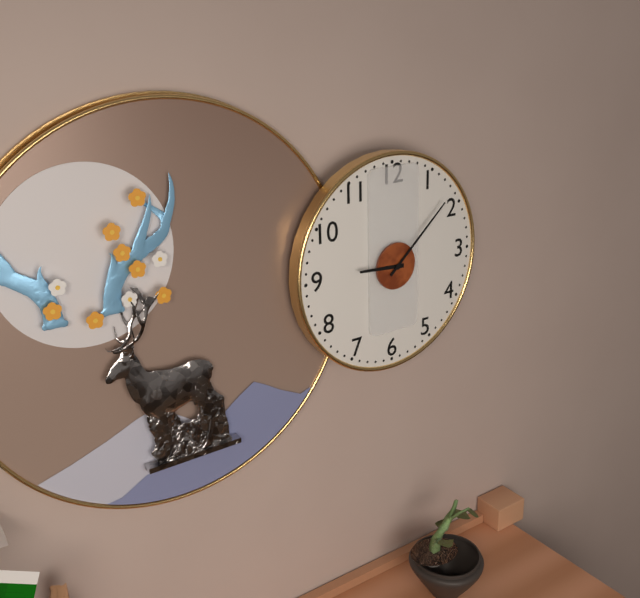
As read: {"hour": 9, "minute": 8}
